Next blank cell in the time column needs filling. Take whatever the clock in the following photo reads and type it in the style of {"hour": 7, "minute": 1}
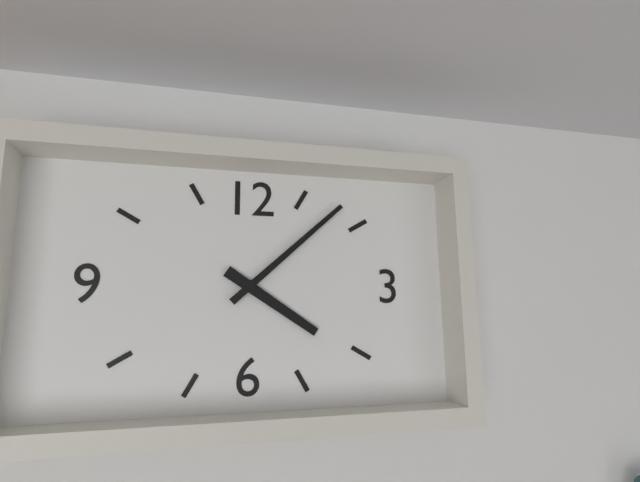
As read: {"hour": 4, "minute": 8}
